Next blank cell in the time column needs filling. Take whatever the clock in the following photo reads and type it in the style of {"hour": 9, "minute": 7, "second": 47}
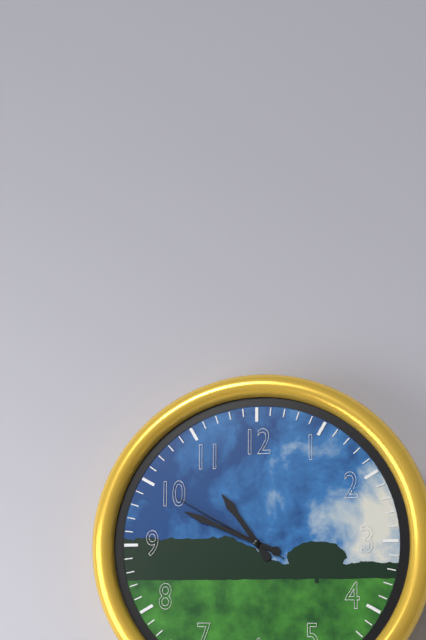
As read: {"hour": 10, "minute": 49, "second": 50}
